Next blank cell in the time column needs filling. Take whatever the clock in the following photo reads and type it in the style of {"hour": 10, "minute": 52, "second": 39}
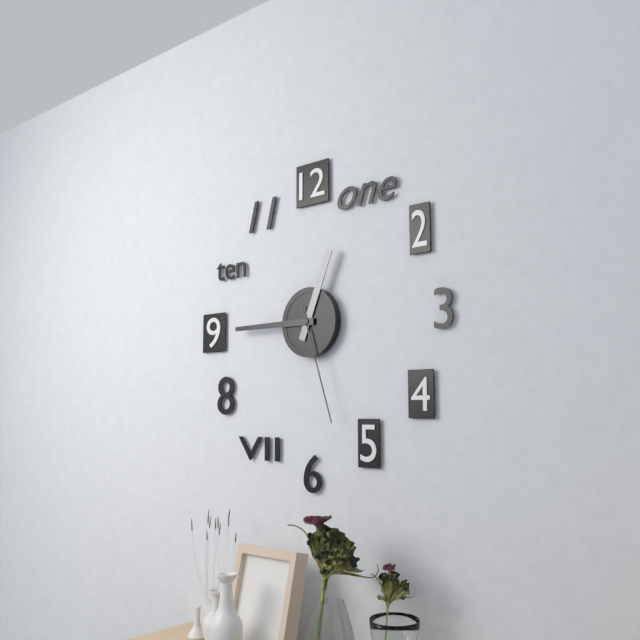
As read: {"hour": 12, "minute": 45, "second": 27}
